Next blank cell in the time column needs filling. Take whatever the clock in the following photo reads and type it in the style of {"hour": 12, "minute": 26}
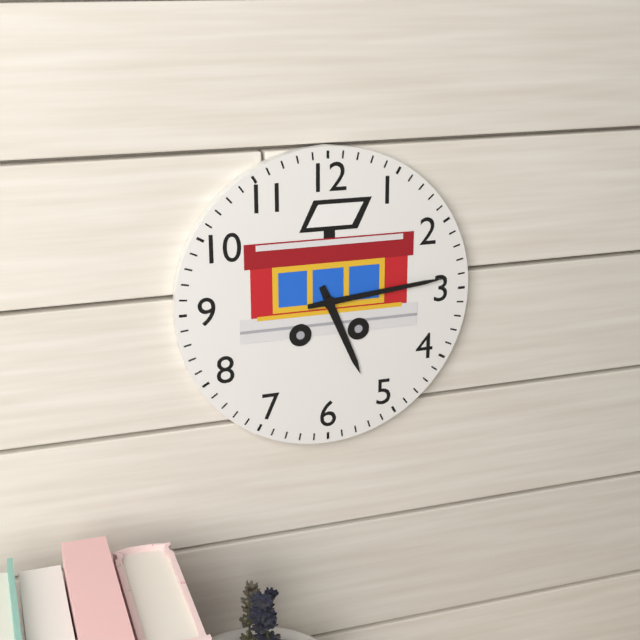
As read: {"hour": 5, "minute": 14}
